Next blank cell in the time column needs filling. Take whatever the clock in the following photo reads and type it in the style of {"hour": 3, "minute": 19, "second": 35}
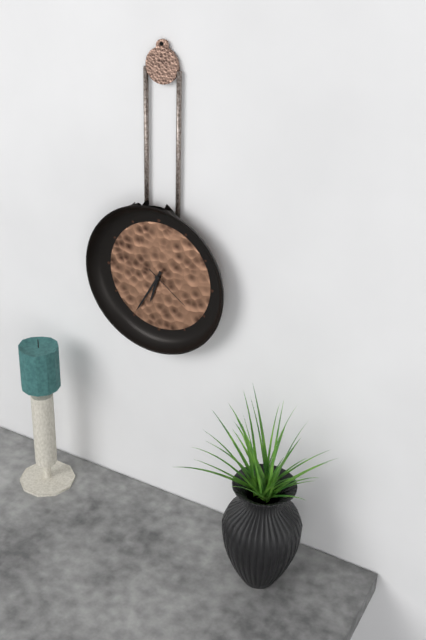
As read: {"hour": 6, "minute": 35, "second": 21}
